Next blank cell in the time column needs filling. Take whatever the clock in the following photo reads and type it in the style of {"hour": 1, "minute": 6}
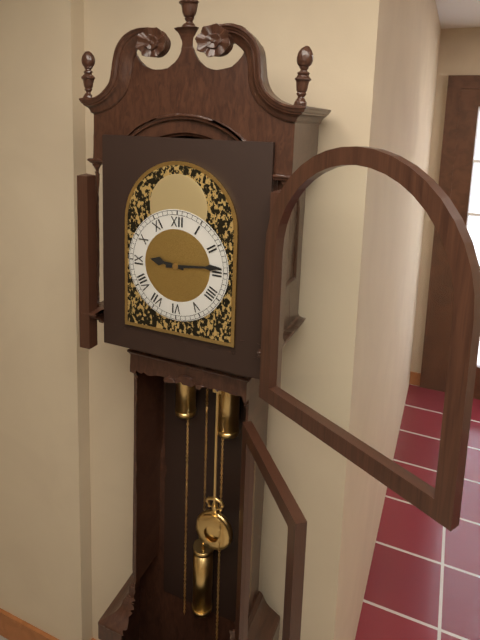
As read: {"hour": 9, "minute": 14}
